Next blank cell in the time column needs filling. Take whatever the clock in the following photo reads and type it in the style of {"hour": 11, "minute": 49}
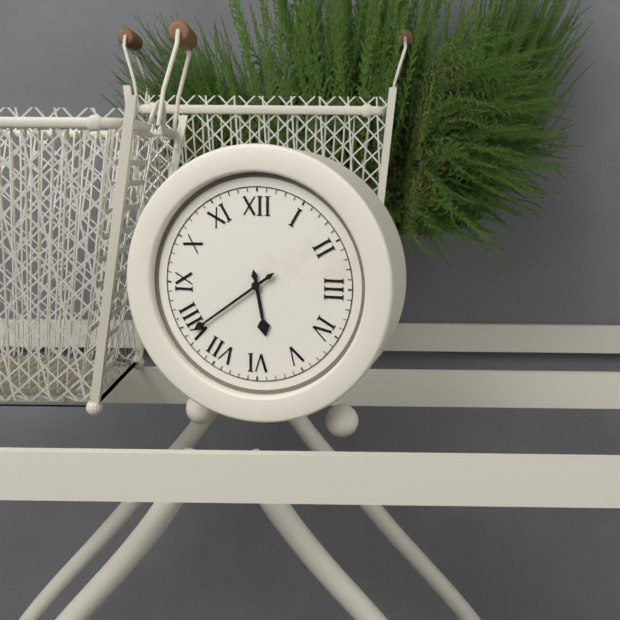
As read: {"hour": 5, "minute": 39}
